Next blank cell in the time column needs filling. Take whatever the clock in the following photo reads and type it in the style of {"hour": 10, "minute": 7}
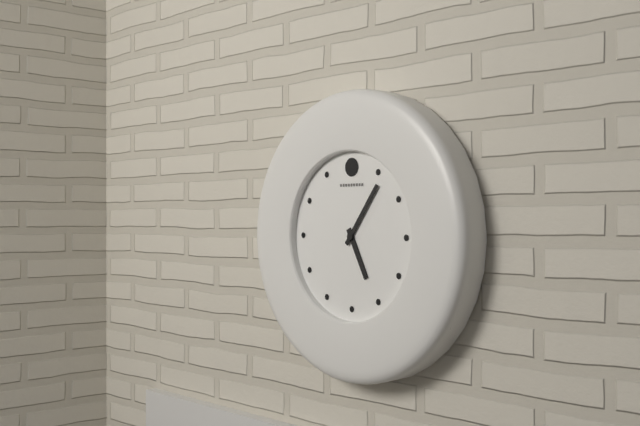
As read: {"hour": 5, "minute": 6}
